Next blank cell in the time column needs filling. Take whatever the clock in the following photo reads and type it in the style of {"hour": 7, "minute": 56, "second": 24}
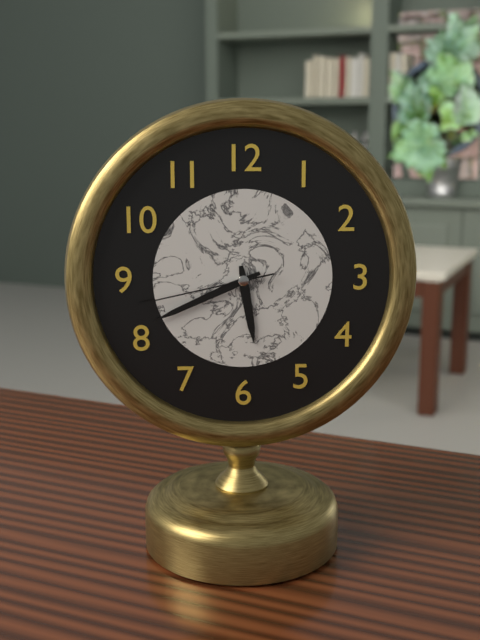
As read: {"hour": 5, "minute": 41, "second": 43}
